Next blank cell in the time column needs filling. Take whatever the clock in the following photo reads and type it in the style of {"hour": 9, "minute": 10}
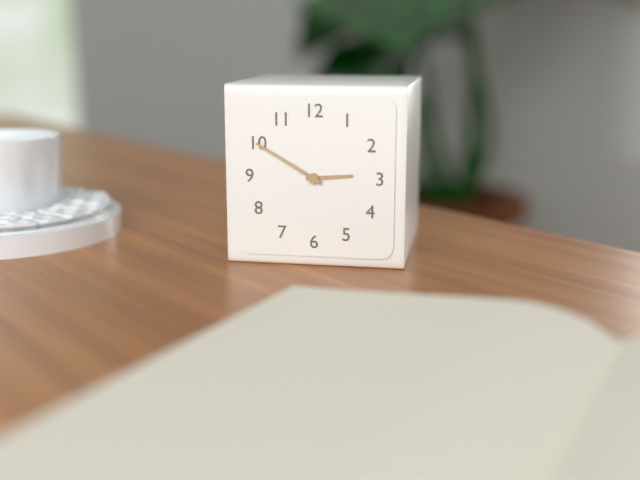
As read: {"hour": 2, "minute": 50}
